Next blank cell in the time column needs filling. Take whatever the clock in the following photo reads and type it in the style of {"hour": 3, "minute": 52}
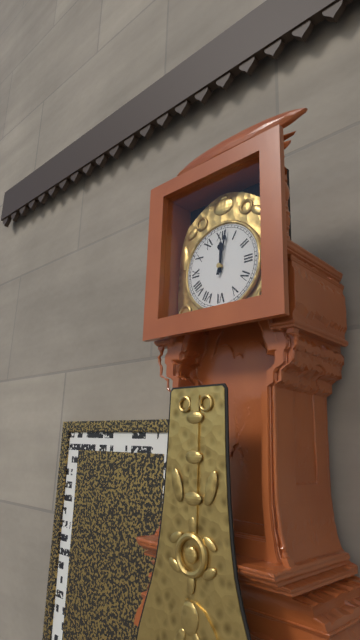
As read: {"hour": 12, "minute": 2}
